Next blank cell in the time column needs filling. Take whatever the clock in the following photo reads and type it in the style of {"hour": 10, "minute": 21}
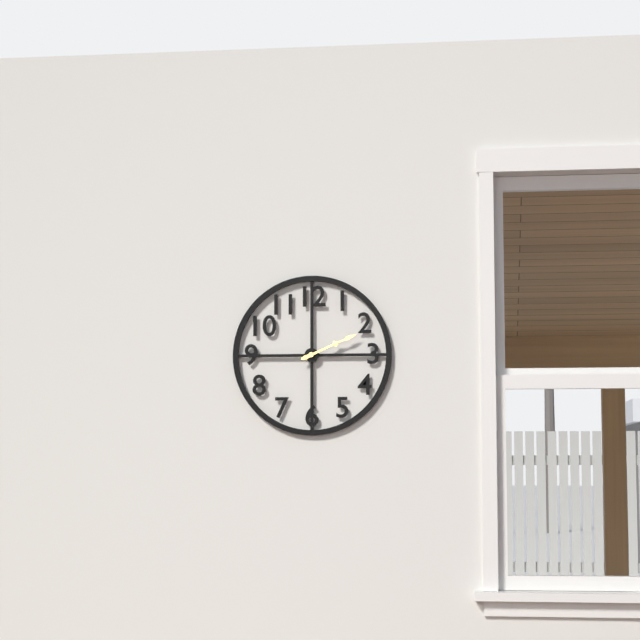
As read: {"hour": 2, "minute": 11}
